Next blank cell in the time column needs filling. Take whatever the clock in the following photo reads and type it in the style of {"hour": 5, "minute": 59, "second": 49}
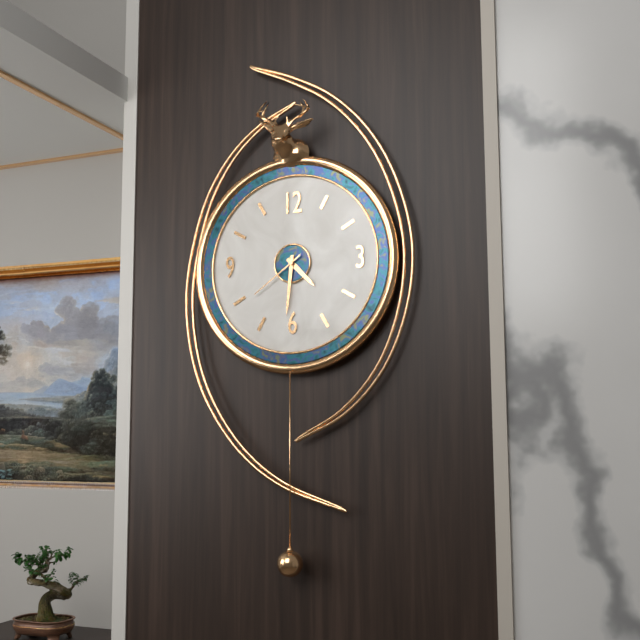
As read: {"hour": 4, "minute": 31, "second": 39}
